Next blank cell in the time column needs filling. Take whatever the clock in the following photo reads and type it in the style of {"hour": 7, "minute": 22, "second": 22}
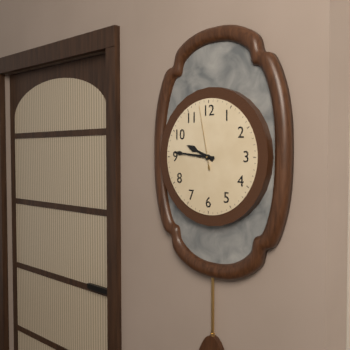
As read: {"hour": 9, "minute": 46, "second": 58}
